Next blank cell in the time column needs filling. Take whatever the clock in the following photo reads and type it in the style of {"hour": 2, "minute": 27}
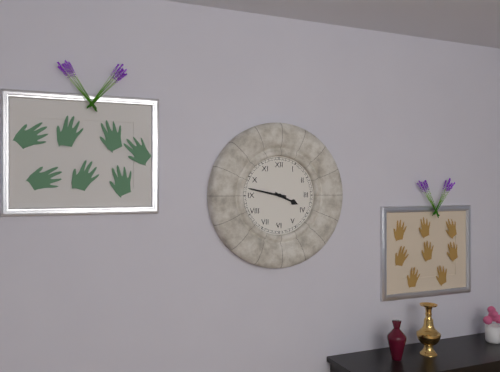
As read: {"hour": 3, "minute": 47}
